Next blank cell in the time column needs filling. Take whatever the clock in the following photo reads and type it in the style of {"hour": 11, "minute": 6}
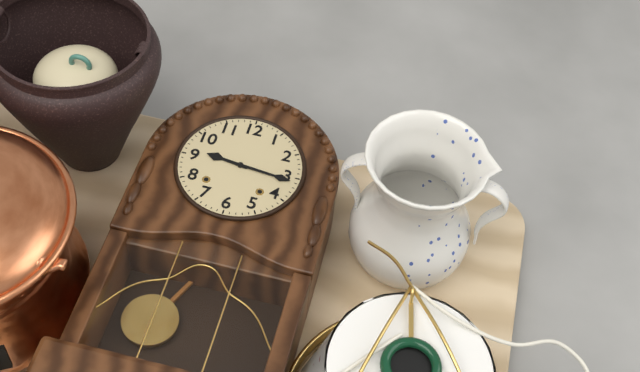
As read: {"hour": 9, "minute": 16}
